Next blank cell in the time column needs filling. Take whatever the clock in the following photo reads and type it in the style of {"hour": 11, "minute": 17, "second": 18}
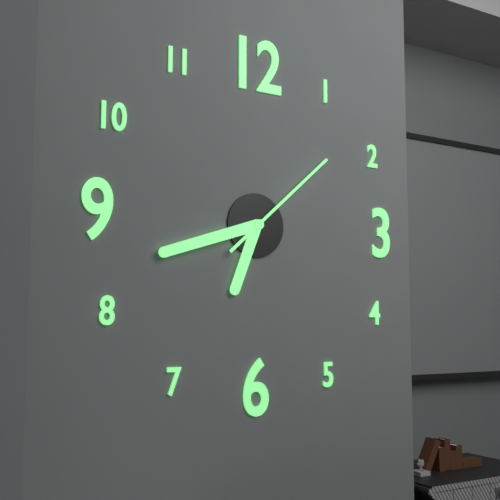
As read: {"hour": 6, "minute": 42, "second": 8}
